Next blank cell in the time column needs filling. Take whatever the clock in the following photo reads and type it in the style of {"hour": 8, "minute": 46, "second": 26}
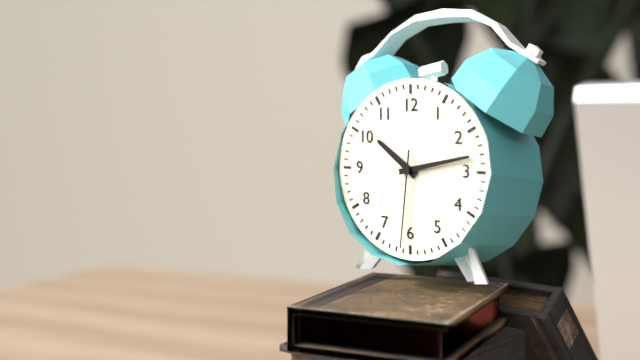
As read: {"hour": 10, "minute": 13, "second": 31}
